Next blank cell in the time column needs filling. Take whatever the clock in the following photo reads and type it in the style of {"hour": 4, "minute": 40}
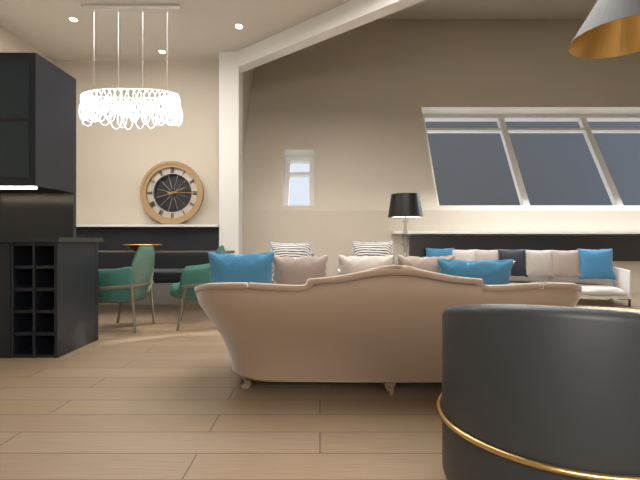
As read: {"hour": 2, "minute": 15}
